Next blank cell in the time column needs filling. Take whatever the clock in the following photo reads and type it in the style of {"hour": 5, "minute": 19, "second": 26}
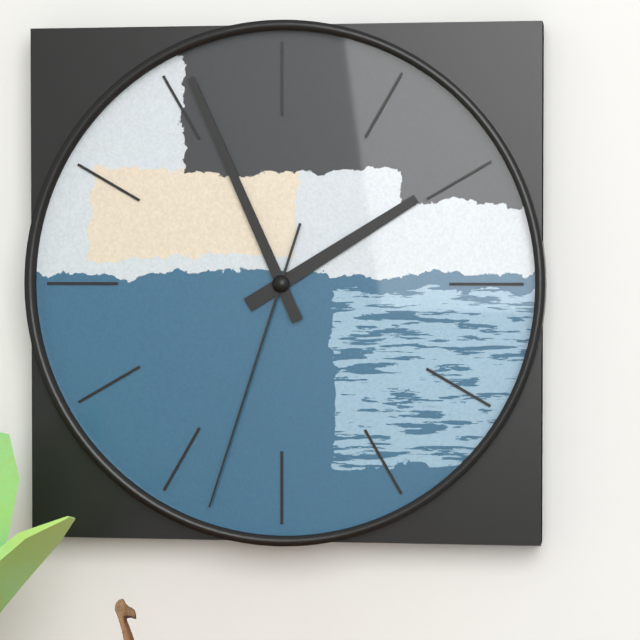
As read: {"hour": 1, "minute": 56, "second": 33}
